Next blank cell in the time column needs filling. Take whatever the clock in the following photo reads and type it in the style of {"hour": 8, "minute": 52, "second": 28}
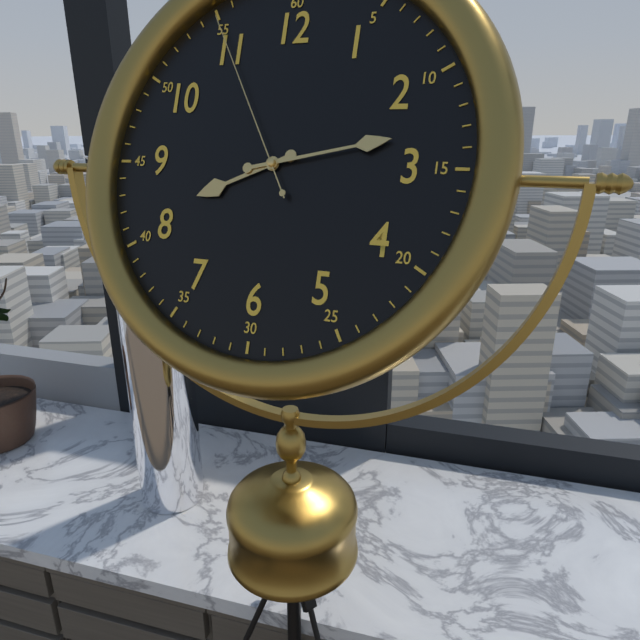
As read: {"hour": 8, "minute": 13, "second": 55}
